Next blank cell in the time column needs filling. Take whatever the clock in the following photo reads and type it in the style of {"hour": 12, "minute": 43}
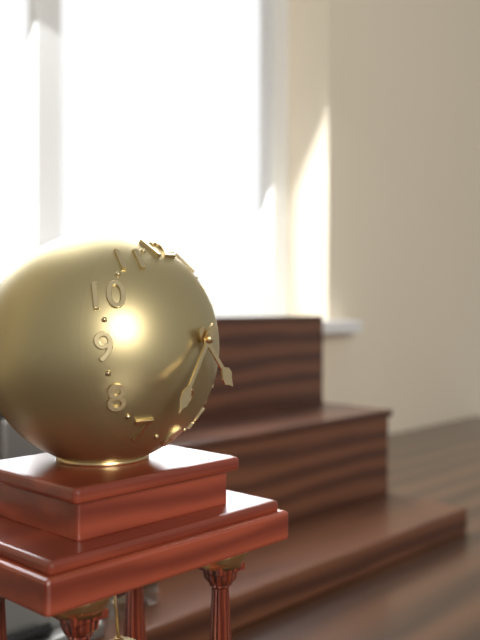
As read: {"hour": 4, "minute": 37}
